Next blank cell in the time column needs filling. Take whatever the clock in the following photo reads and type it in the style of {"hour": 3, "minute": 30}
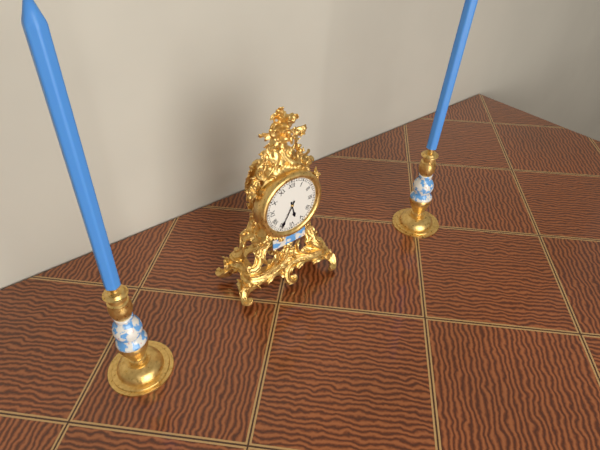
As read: {"hour": 5, "minute": 35}
